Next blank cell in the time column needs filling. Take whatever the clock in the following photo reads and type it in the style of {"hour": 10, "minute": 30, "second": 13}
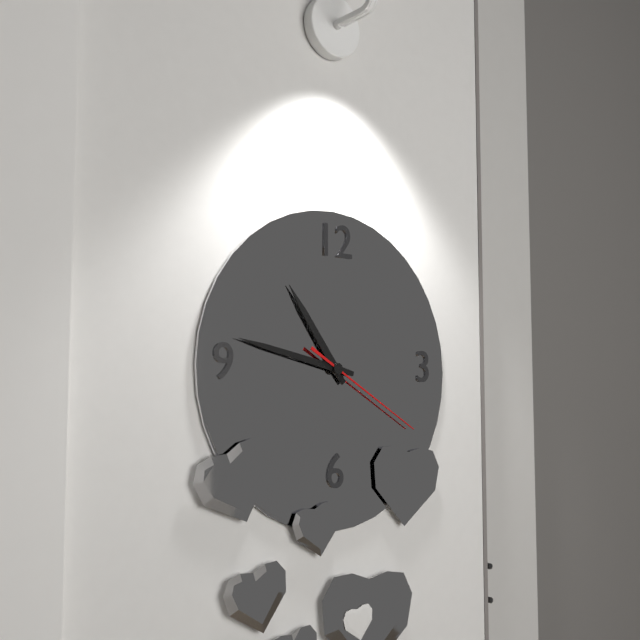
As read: {"hour": 10, "minute": 47, "second": 20}
